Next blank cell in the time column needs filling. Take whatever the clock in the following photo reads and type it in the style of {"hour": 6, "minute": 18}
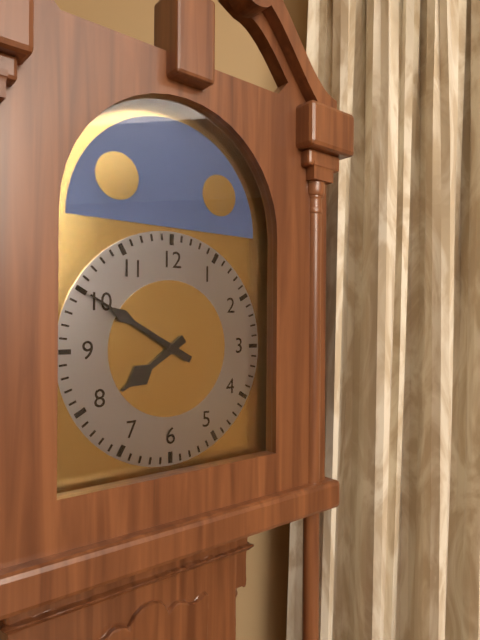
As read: {"hour": 7, "minute": 50}
